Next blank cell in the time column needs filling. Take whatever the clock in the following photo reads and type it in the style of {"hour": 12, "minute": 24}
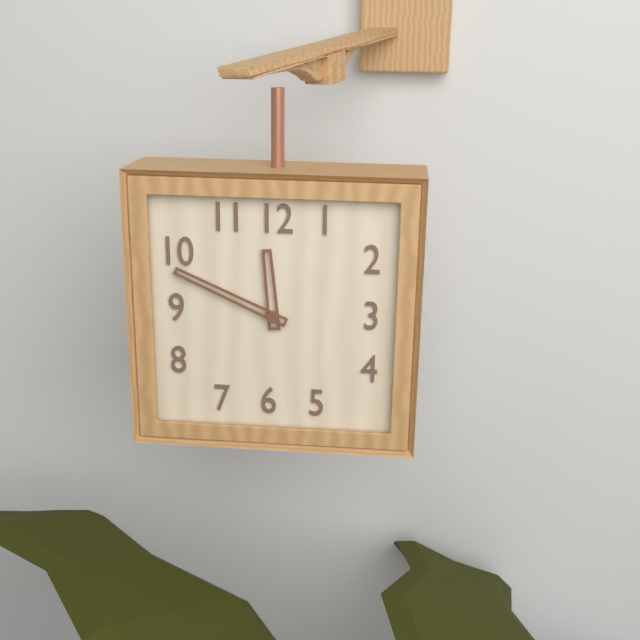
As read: {"hour": 11, "minute": 49}
